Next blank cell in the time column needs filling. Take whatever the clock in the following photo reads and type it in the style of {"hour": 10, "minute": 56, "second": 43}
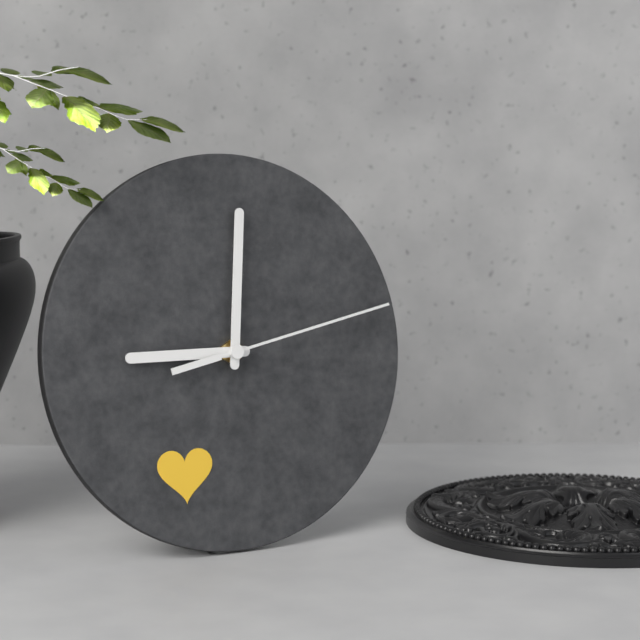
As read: {"hour": 9, "minute": 1, "second": 13}
